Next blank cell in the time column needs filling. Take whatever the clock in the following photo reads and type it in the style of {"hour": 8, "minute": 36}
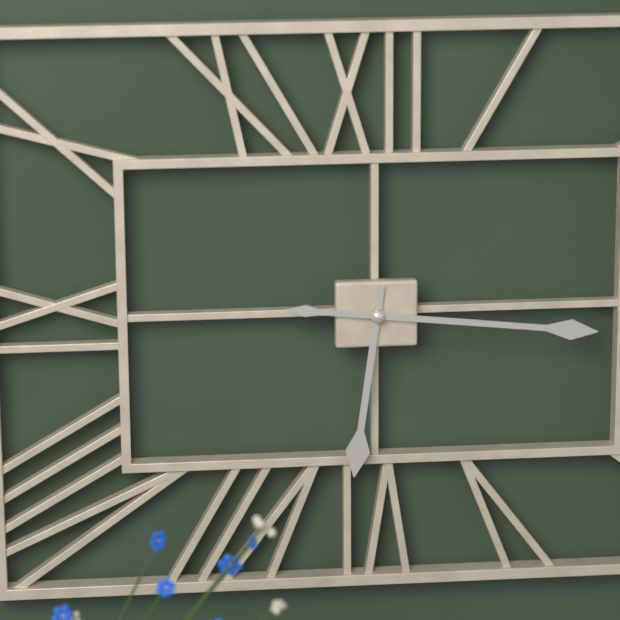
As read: {"hour": 6, "minute": 16}
